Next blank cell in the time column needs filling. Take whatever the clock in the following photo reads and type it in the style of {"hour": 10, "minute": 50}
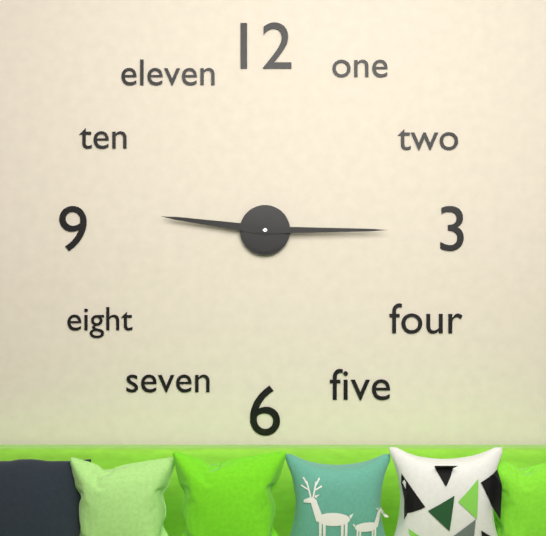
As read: {"hour": 9, "minute": 15}
